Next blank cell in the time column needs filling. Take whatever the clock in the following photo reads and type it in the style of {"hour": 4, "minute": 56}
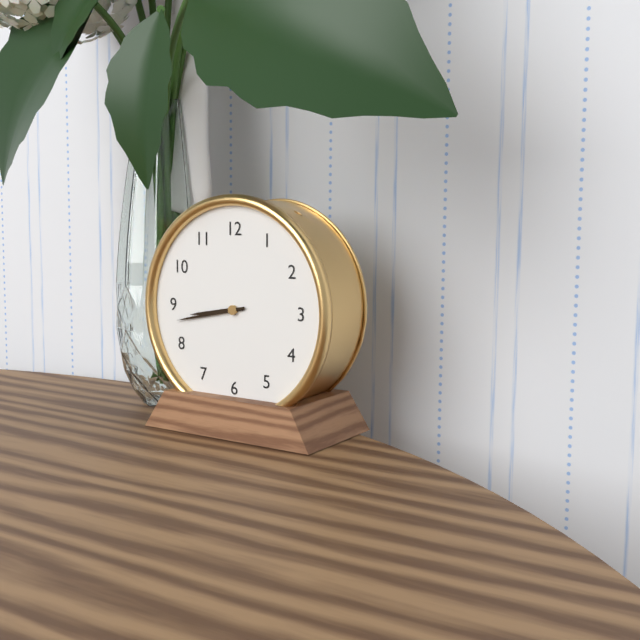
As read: {"hour": 8, "minute": 43}
